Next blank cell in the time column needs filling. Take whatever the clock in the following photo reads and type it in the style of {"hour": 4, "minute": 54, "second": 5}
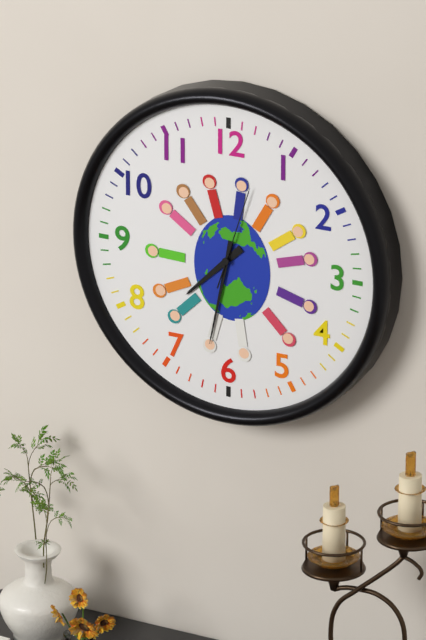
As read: {"hour": 7, "minute": 32, "second": 3}
